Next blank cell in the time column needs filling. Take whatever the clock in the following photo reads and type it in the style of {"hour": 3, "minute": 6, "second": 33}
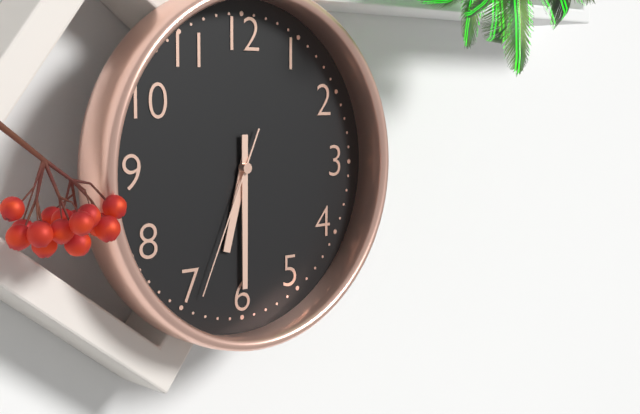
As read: {"hour": 6, "minute": 30, "second": 34}
